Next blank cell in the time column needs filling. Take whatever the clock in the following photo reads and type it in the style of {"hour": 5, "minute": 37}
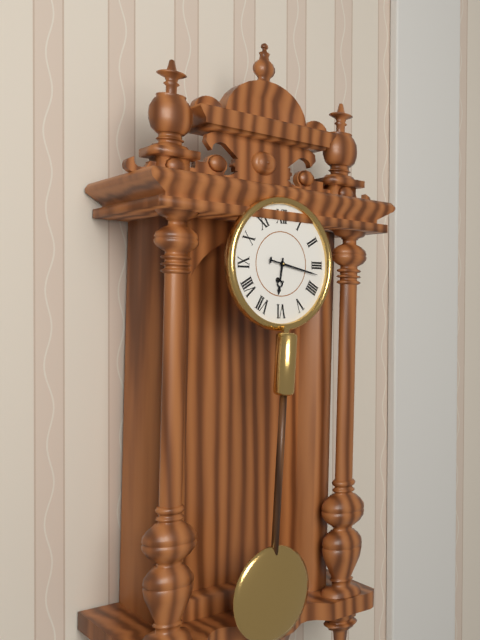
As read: {"hour": 6, "minute": 17}
